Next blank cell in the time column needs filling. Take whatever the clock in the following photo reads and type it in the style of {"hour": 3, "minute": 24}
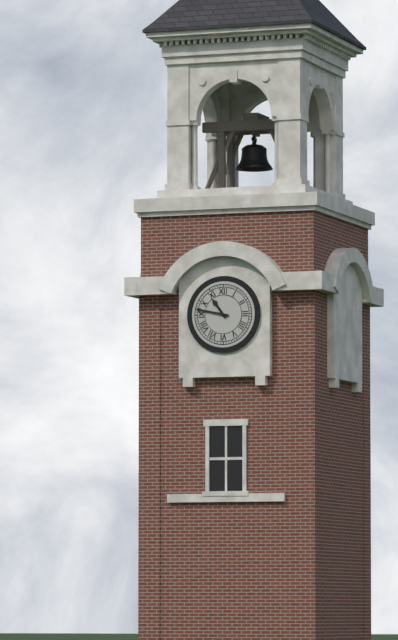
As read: {"hour": 10, "minute": 47}
